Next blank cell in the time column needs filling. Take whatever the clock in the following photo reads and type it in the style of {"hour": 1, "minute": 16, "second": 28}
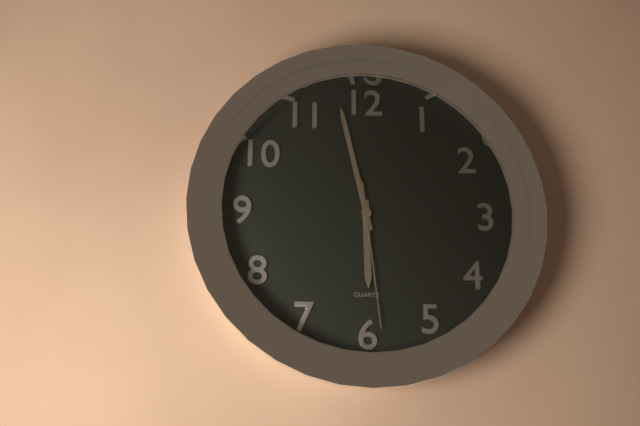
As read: {"hour": 5, "minute": 58, "second": 29}
